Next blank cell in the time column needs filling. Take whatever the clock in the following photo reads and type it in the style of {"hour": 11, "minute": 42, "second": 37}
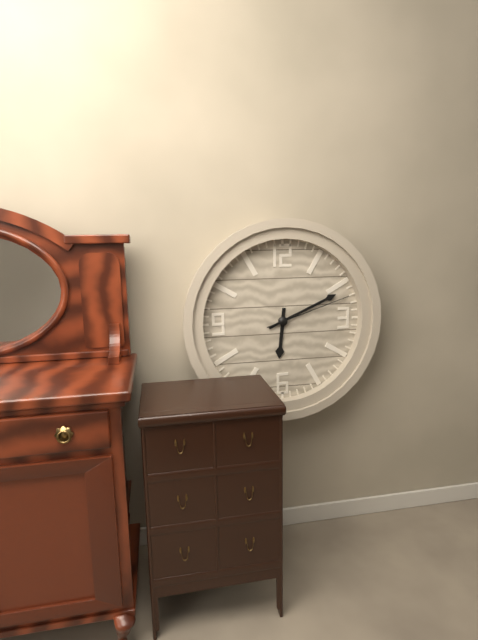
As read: {"hour": 6, "minute": 11, "second": 12}
